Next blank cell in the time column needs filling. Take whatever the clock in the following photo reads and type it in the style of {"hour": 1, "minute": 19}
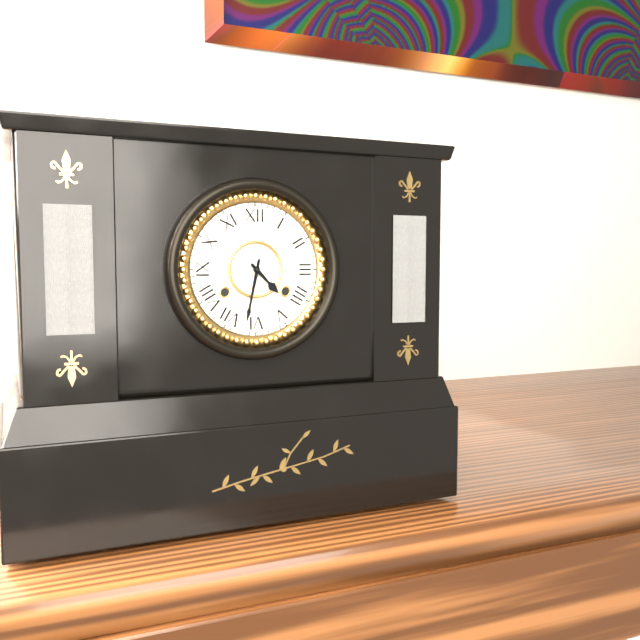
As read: {"hour": 4, "minute": 32}
